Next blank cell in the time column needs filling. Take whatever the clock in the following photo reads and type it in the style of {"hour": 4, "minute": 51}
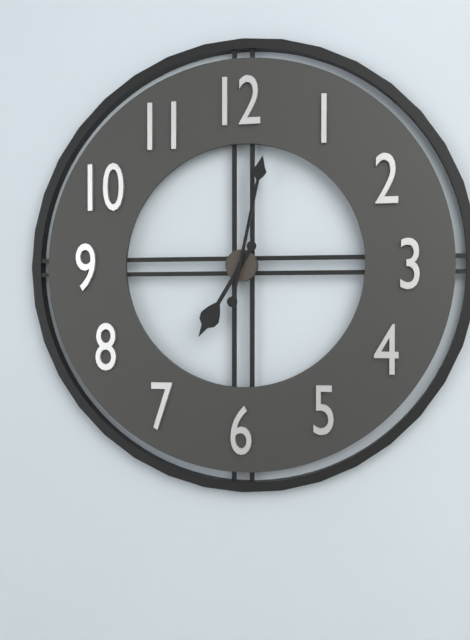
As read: {"hour": 7, "minute": 2}
